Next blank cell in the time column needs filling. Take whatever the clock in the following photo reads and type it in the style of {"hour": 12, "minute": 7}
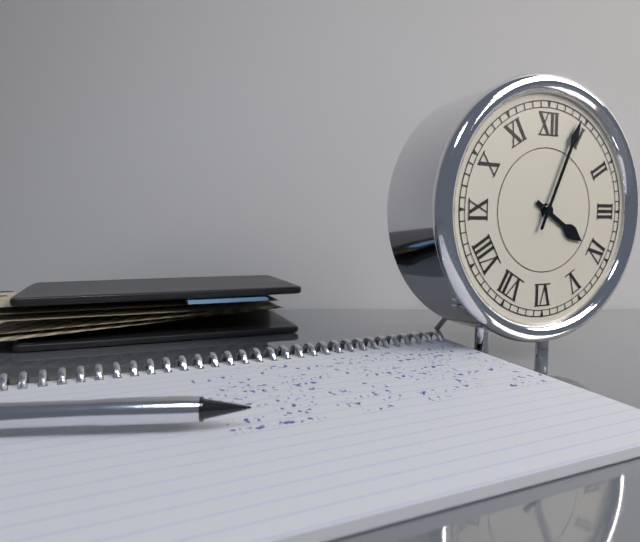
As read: {"hour": 4, "minute": 4}
